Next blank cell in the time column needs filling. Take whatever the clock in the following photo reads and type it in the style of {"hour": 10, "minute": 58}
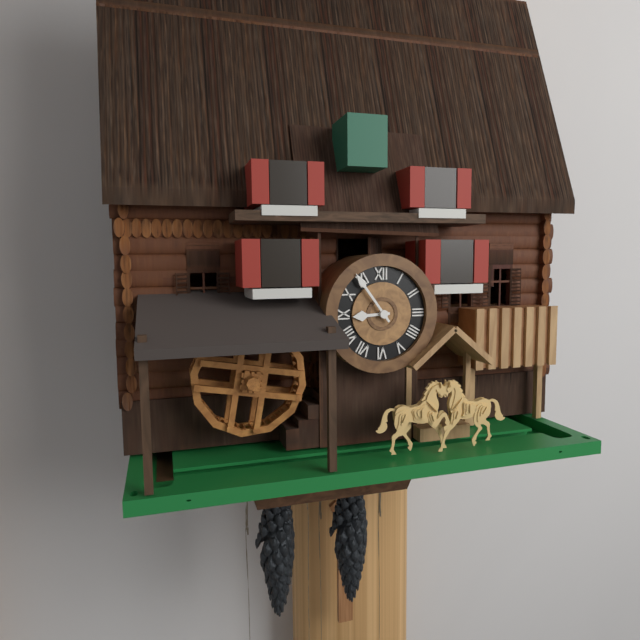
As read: {"hour": 8, "minute": 54}
